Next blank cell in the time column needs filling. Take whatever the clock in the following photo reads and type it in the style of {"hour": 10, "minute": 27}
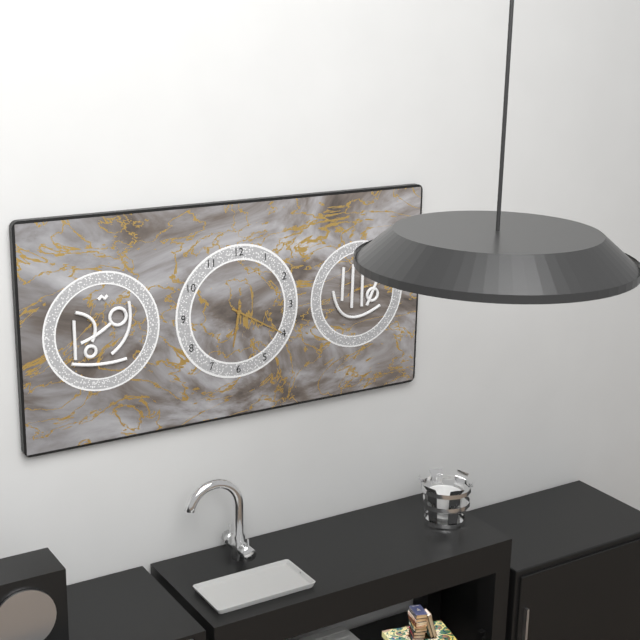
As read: {"hour": 6, "minute": 20}
